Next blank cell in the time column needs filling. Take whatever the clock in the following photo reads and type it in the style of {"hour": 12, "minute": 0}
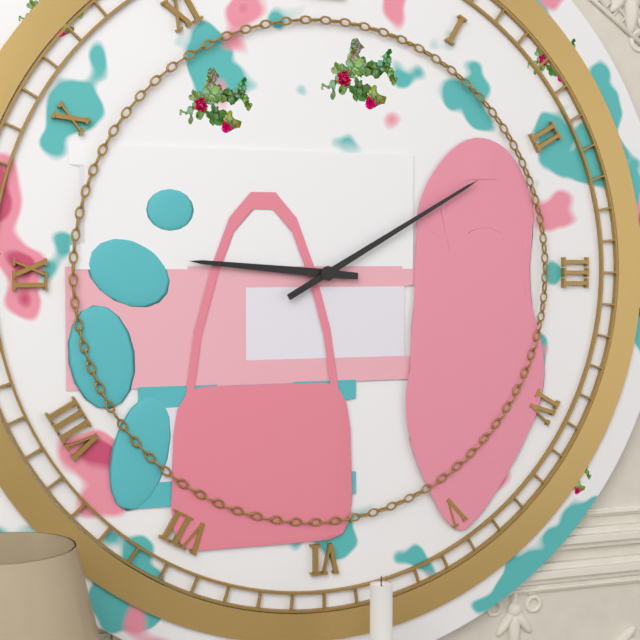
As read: {"hour": 9, "minute": 10}
